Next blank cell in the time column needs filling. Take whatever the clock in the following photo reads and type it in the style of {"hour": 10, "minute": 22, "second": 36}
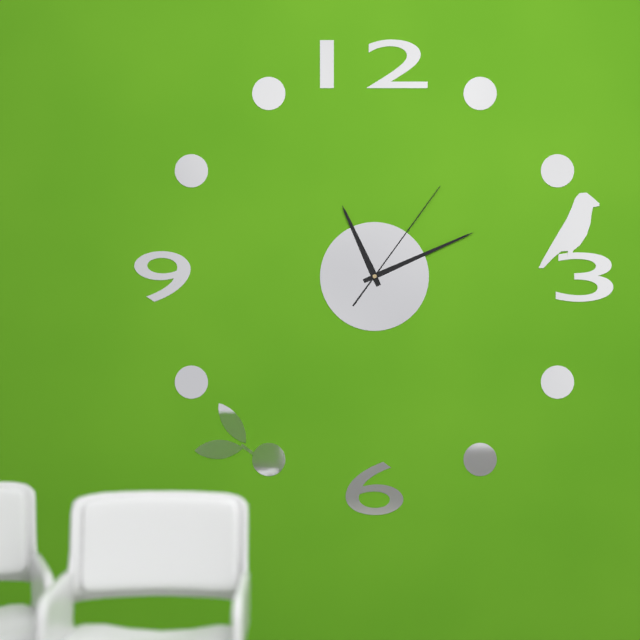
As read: {"hour": 11, "minute": 11, "second": 6}
